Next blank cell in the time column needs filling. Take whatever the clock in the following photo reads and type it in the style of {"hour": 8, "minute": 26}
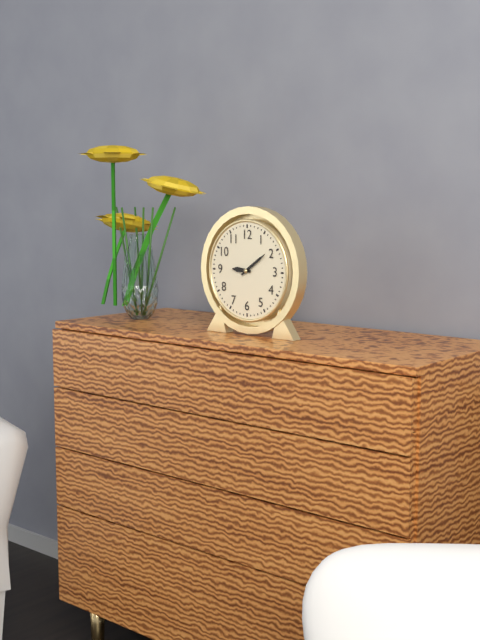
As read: {"hour": 9, "minute": 9}
